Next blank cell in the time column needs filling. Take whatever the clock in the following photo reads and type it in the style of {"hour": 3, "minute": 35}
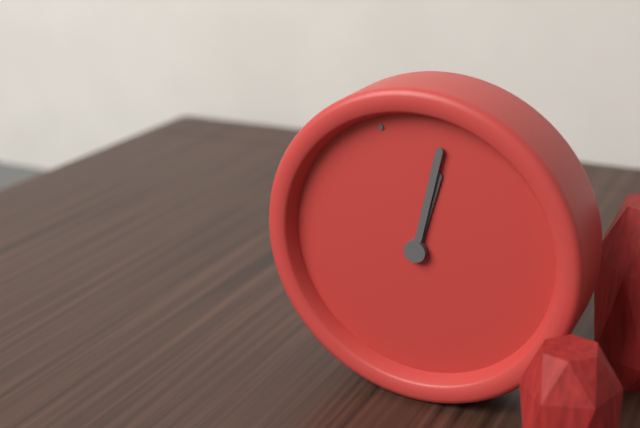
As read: {"hour": 1, "minute": 5}
